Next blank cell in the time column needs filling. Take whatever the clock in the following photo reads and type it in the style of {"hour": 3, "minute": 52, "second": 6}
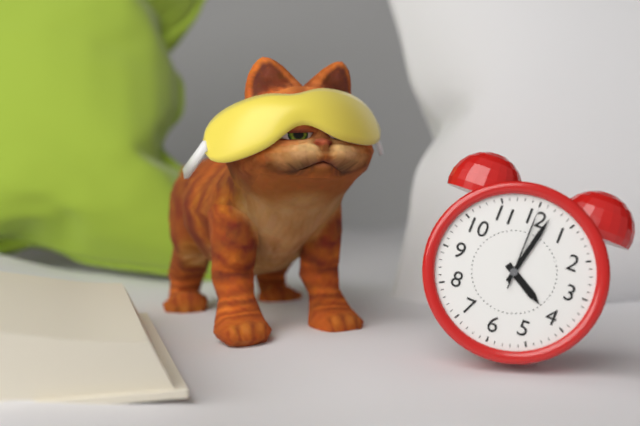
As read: {"hour": 4, "minute": 2, "second": 0}
